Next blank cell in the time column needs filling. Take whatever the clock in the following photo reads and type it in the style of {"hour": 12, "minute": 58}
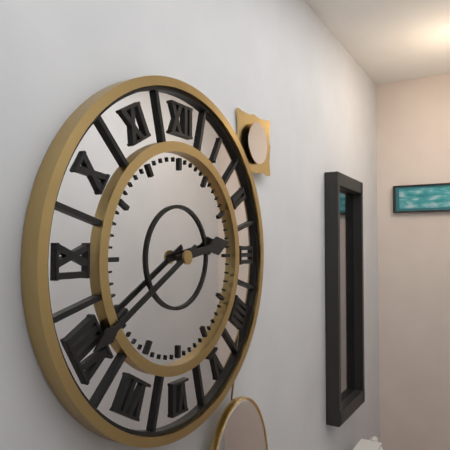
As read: {"hour": 2, "minute": 40}
